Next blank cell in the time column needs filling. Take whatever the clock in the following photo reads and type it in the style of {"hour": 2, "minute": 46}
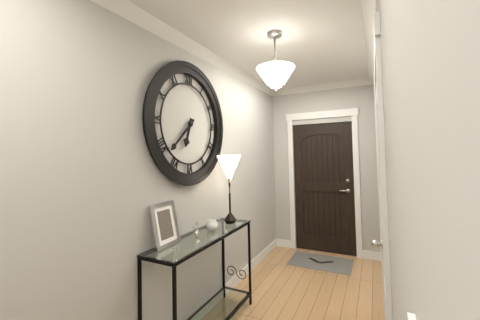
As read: {"hour": 6, "minute": 38}
